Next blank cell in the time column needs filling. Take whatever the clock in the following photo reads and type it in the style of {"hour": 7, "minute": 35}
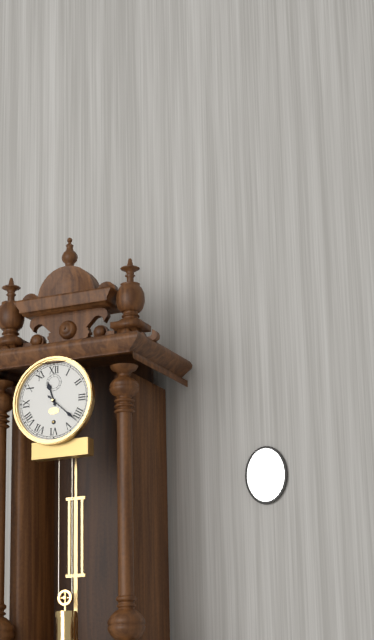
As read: {"hour": 11, "minute": 22}
